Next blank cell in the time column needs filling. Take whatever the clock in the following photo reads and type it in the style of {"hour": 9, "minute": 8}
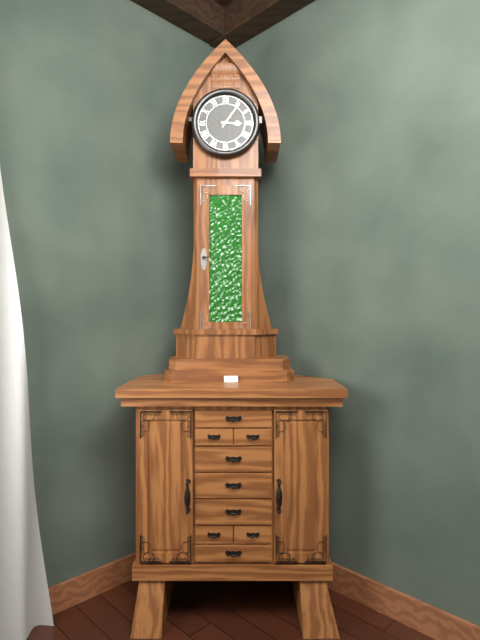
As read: {"hour": 3, "minute": 6}
